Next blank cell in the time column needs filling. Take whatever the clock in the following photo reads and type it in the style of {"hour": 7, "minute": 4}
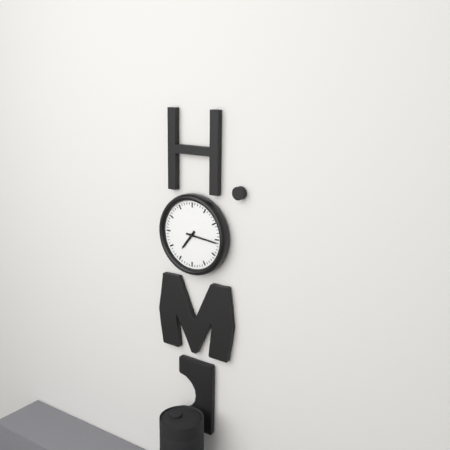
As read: {"hour": 7, "minute": 16}
